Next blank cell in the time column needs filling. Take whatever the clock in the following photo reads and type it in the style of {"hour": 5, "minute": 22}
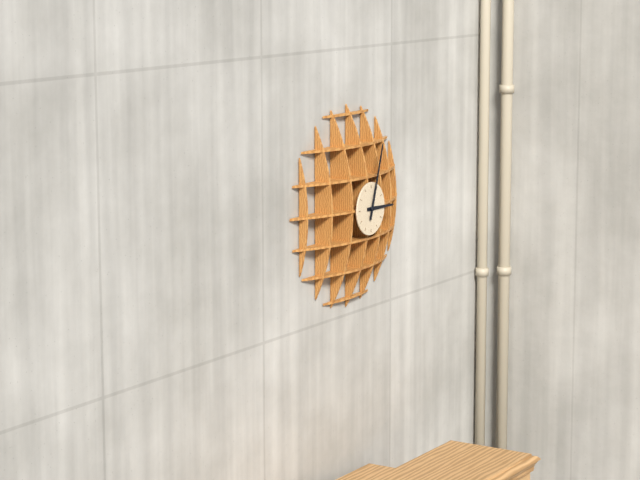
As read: {"hour": 3, "minute": 3}
